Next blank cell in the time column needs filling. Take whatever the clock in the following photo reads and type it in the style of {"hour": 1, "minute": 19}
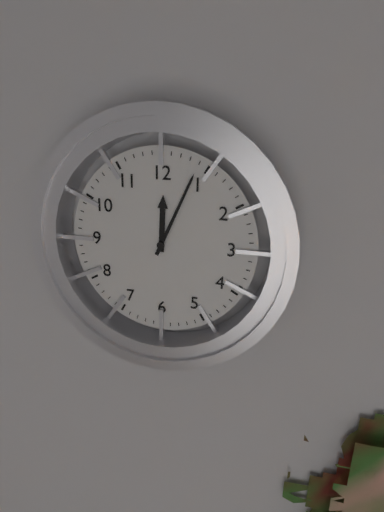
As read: {"hour": 12, "minute": 4}
